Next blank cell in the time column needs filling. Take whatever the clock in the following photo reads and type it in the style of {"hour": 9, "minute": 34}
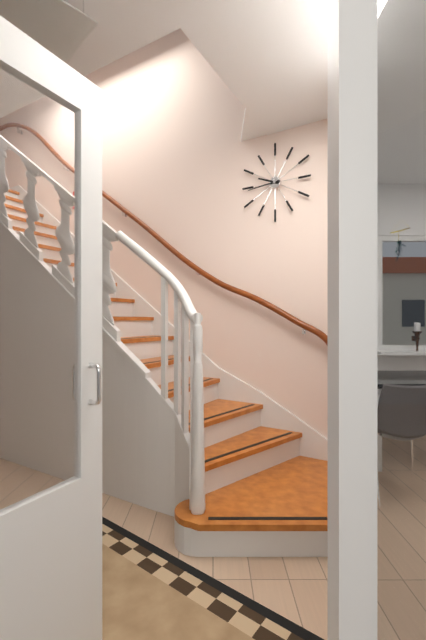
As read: {"hour": 9, "minute": 44}
